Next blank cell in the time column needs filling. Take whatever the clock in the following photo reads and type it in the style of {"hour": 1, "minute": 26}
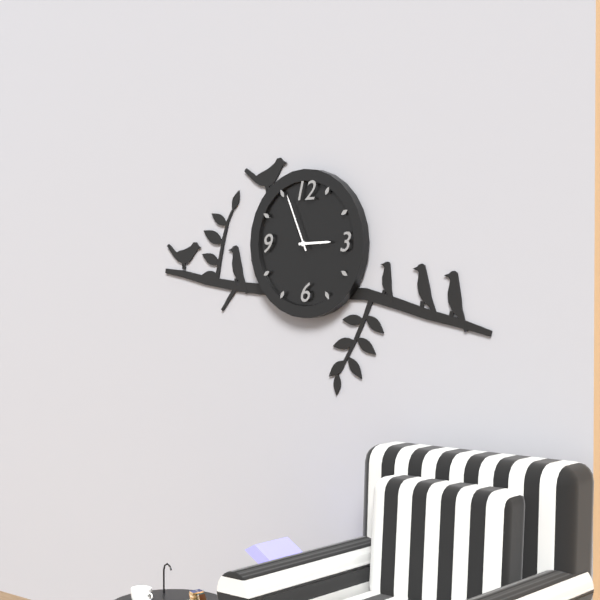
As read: {"hour": 2, "minute": 56}
